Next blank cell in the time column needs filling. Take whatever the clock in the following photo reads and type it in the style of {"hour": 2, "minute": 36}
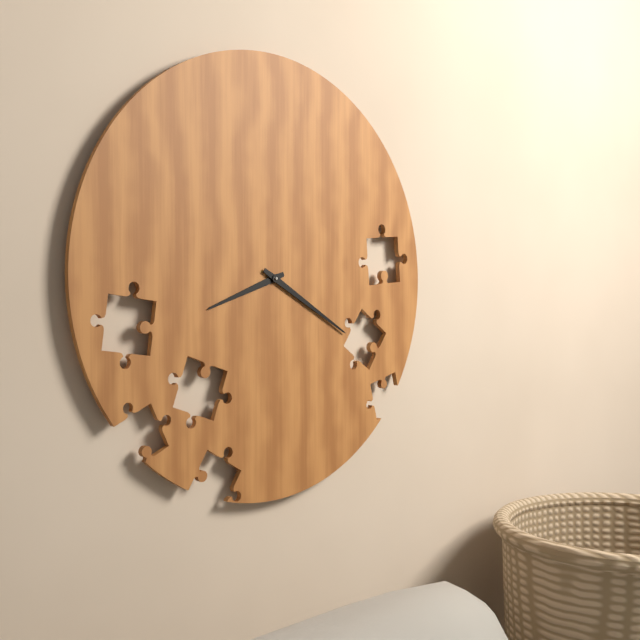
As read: {"hour": 8, "minute": 20}
